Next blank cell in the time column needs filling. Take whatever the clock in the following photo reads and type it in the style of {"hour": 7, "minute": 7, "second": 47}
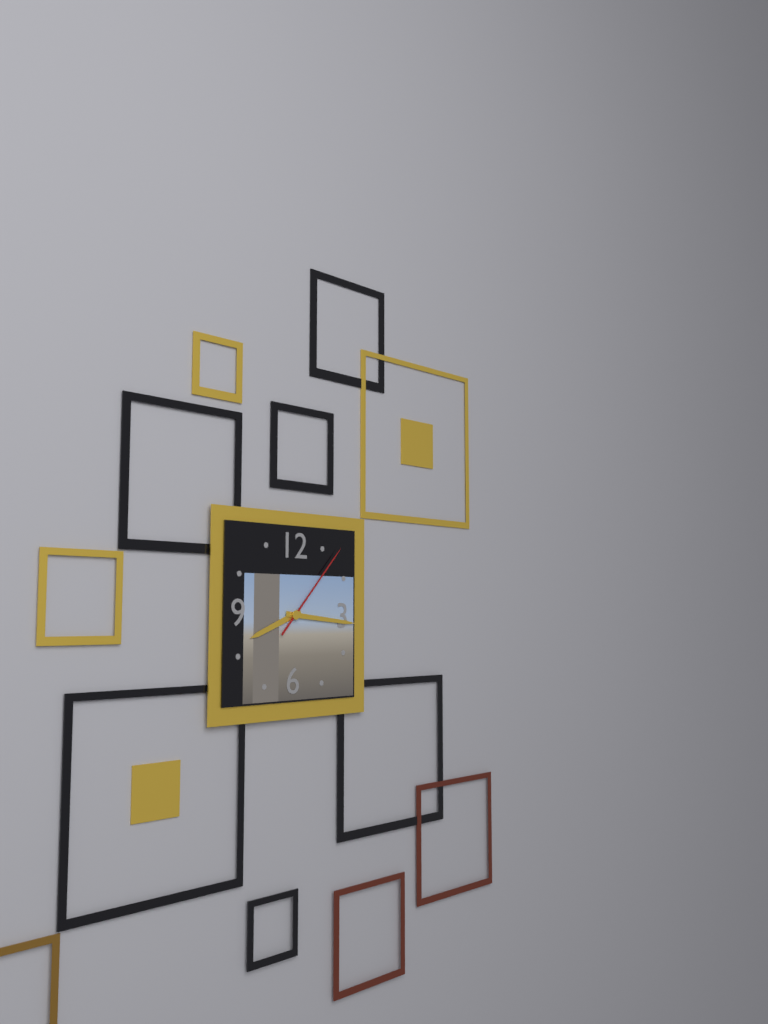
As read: {"hour": 8, "minute": 16, "second": 7}
